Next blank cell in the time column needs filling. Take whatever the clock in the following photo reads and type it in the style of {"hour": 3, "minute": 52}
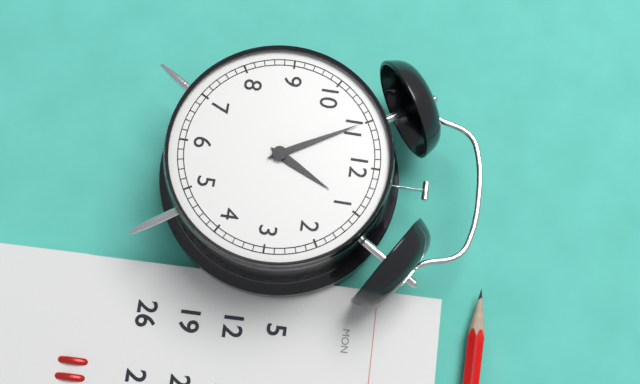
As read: {"hour": 12, "minute": 55}
